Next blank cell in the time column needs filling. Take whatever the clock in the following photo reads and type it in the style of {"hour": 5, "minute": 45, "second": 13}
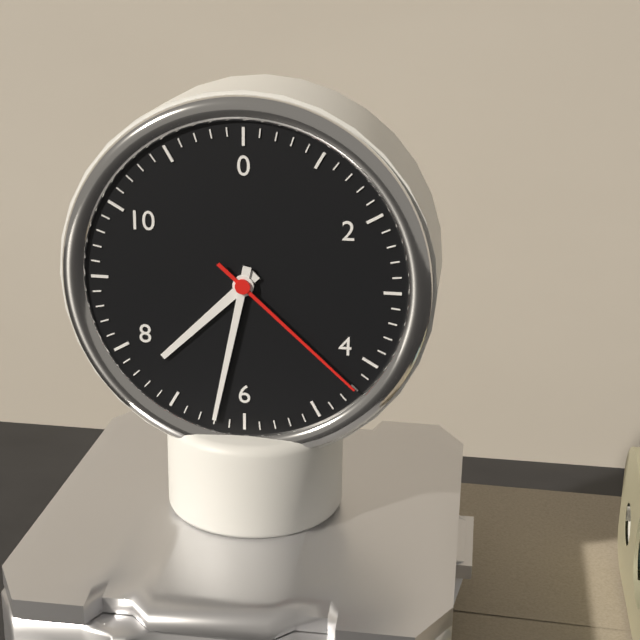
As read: {"hour": 7, "minute": 32, "second": 22}
